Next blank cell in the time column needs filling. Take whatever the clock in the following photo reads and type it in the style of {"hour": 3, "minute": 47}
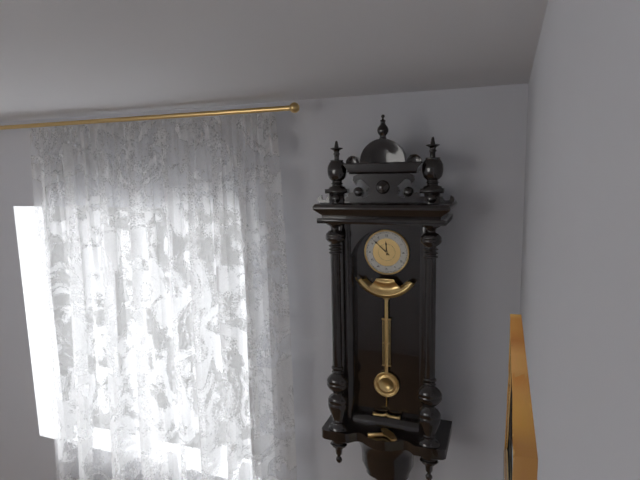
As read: {"hour": 11, "minute": 52}
